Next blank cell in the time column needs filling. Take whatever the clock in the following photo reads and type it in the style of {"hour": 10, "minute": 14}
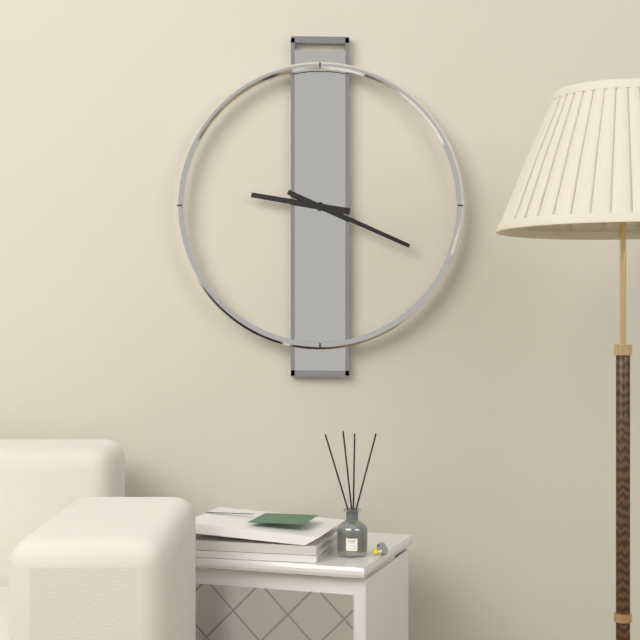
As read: {"hour": 9, "minute": 19}
